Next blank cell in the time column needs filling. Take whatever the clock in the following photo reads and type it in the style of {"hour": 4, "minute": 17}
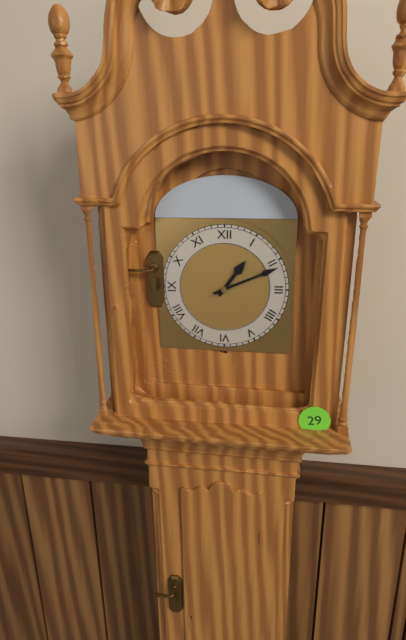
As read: {"hour": 1, "minute": 11}
